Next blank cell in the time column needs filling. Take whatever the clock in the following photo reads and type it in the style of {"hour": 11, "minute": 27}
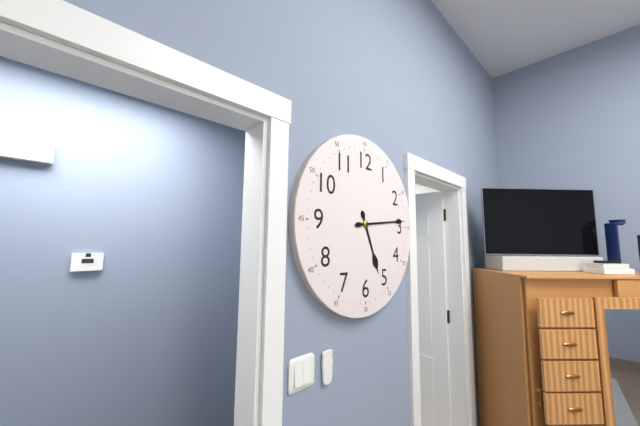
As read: {"hour": 5, "minute": 14}
